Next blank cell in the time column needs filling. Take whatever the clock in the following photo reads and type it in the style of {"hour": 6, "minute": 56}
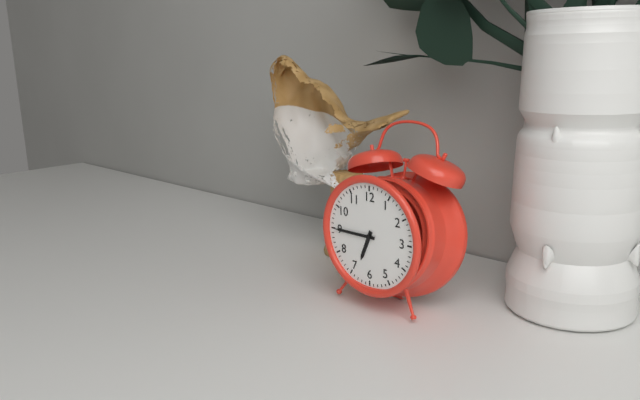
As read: {"hour": 6, "minute": 45}
